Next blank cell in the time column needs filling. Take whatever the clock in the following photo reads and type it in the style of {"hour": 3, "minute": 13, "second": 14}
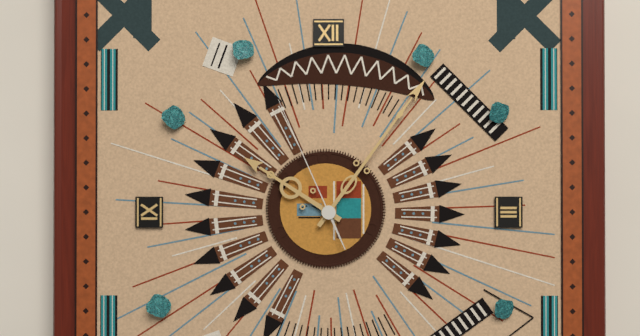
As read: {"hour": 10, "minute": 6, "second": 56}
